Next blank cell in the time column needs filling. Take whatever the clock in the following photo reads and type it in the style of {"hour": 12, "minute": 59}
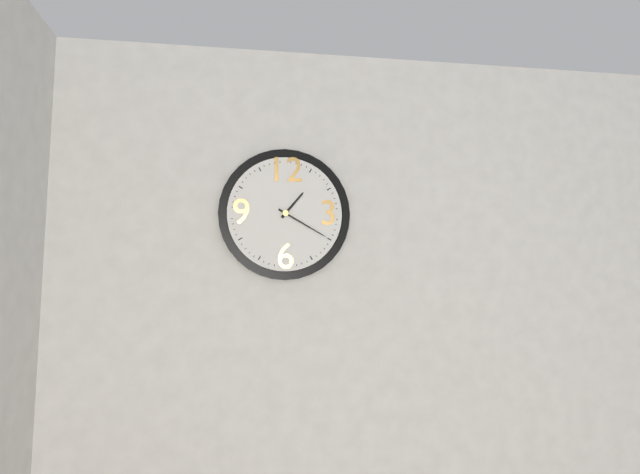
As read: {"hour": 1, "minute": 20}
